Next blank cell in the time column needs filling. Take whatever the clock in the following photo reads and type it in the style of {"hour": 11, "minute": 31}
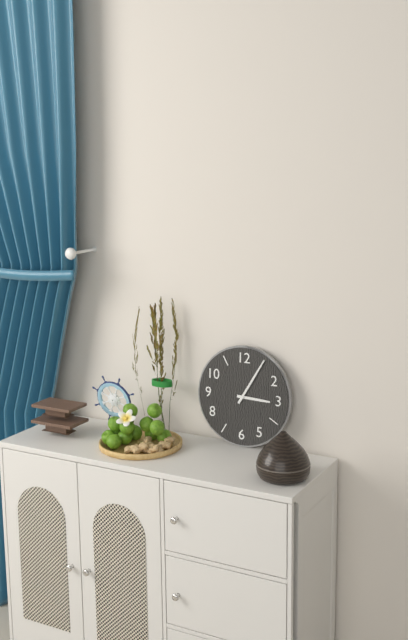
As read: {"hour": 3, "minute": 5}
